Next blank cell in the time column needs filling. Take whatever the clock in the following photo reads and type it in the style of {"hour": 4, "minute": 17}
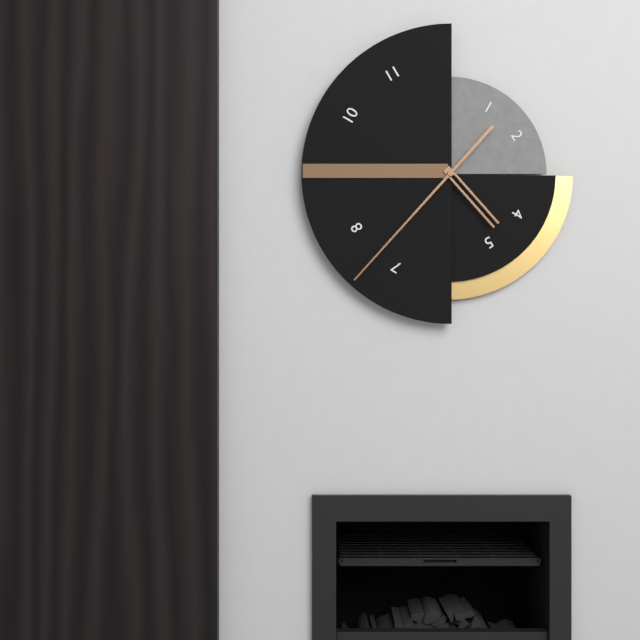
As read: {"hour": 4, "minute": 37}
